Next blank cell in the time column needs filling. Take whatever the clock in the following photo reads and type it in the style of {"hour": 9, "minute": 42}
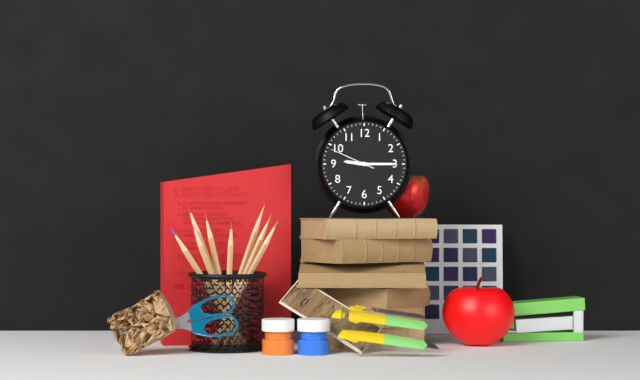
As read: {"hour": 9, "minute": 15}
